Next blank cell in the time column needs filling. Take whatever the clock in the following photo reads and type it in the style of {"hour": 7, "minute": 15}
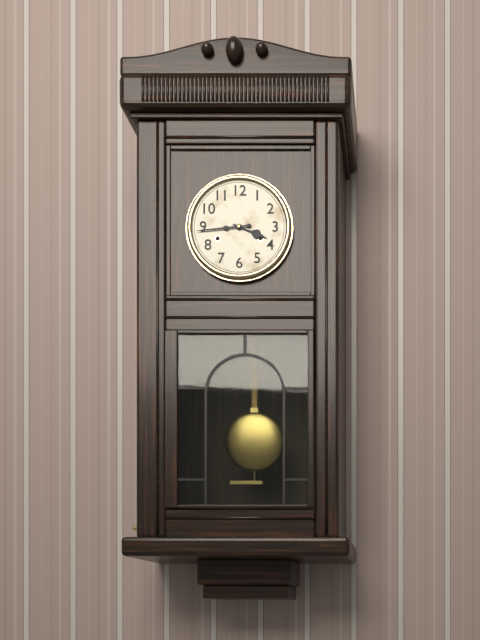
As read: {"hour": 3, "minute": 44}
